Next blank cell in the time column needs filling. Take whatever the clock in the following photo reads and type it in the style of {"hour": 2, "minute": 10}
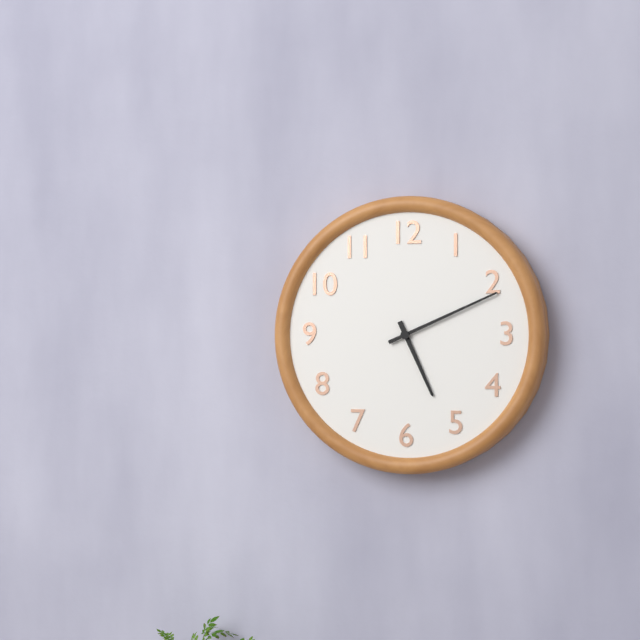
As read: {"hour": 5, "minute": 11}
